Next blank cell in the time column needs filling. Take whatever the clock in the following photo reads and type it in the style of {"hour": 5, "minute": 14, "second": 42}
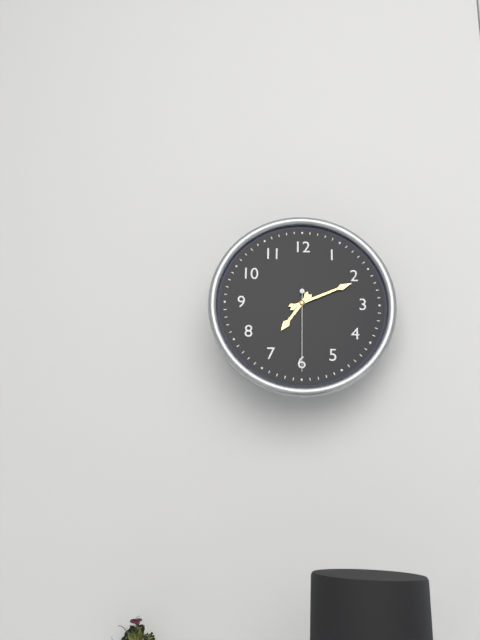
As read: {"hour": 7, "minute": 11, "second": 30}
